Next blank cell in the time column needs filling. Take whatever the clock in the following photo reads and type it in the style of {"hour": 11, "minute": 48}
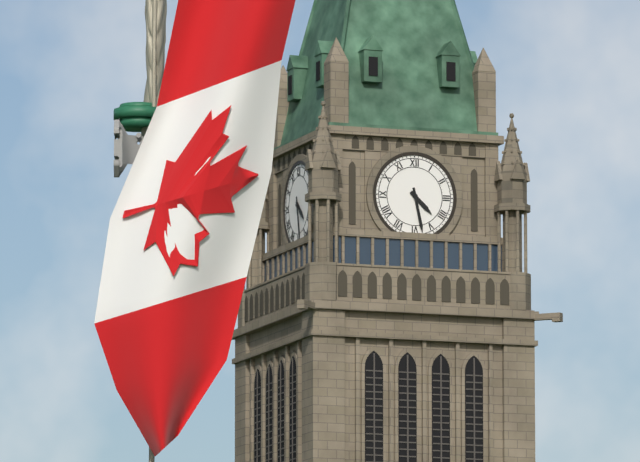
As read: {"hour": 4, "minute": 28}
